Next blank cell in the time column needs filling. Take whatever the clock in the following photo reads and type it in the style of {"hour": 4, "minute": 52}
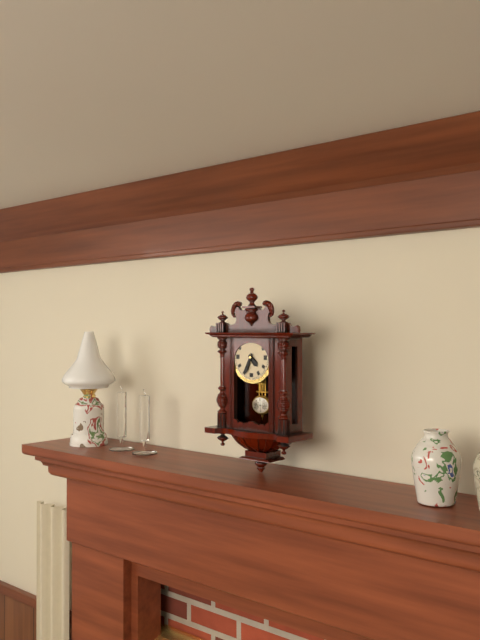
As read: {"hour": 4, "minute": 34}
